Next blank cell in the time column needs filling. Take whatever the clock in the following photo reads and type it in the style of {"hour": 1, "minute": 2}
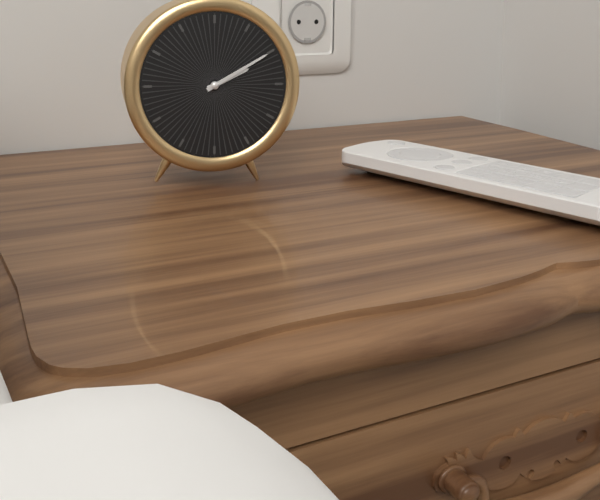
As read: {"hour": 2, "minute": 10}
